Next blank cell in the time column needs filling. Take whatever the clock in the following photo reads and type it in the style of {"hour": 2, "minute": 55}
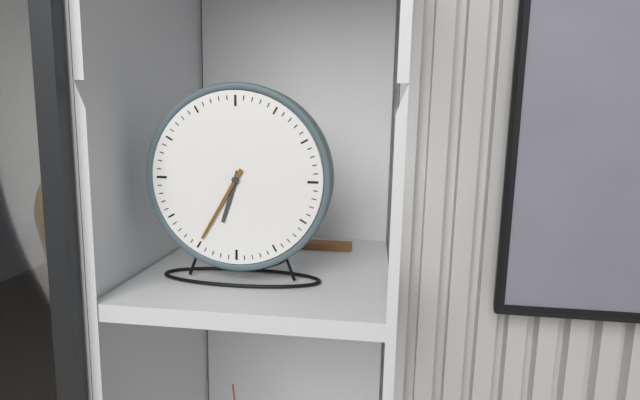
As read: {"hour": 6, "minute": 35}
